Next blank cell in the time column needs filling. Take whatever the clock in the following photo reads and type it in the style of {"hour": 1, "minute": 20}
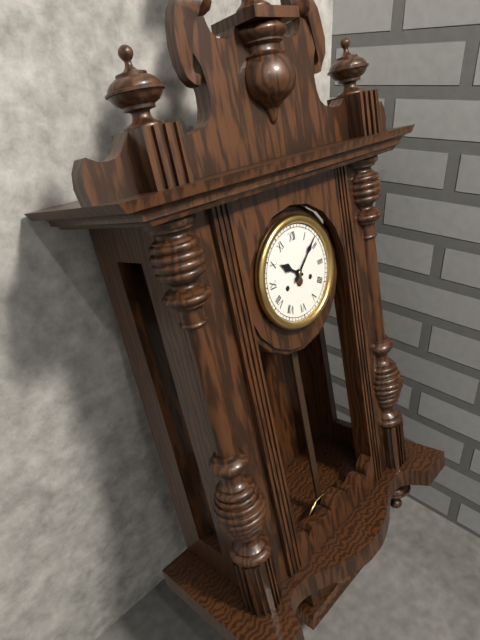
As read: {"hour": 10, "minute": 8}
